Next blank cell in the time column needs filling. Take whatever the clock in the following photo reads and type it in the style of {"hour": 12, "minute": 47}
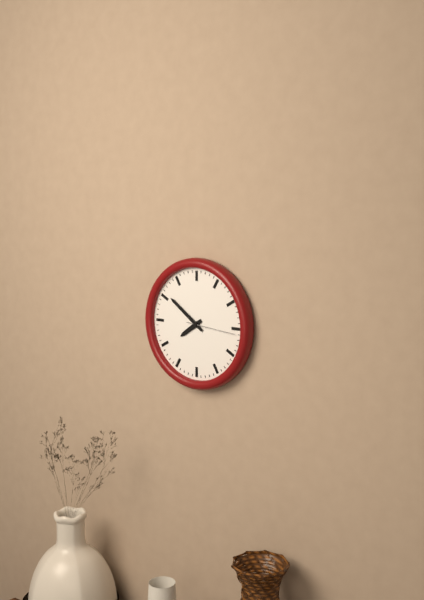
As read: {"hour": 7, "minute": 51}
